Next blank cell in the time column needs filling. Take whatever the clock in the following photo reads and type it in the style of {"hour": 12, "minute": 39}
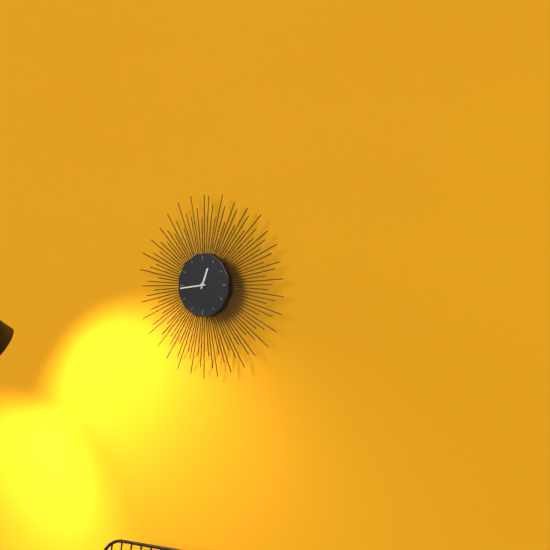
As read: {"hour": 12, "minute": 44}
